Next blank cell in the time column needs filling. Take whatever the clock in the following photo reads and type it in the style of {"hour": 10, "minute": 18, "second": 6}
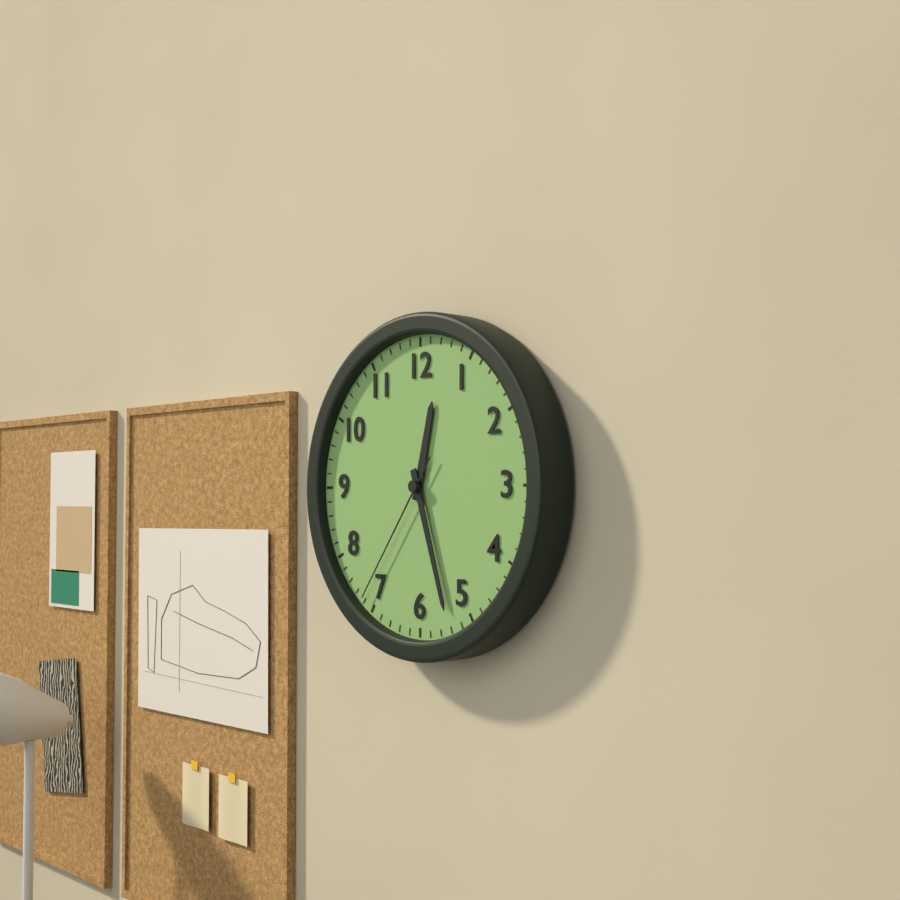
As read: {"hour": 12, "minute": 27, "second": 36}
